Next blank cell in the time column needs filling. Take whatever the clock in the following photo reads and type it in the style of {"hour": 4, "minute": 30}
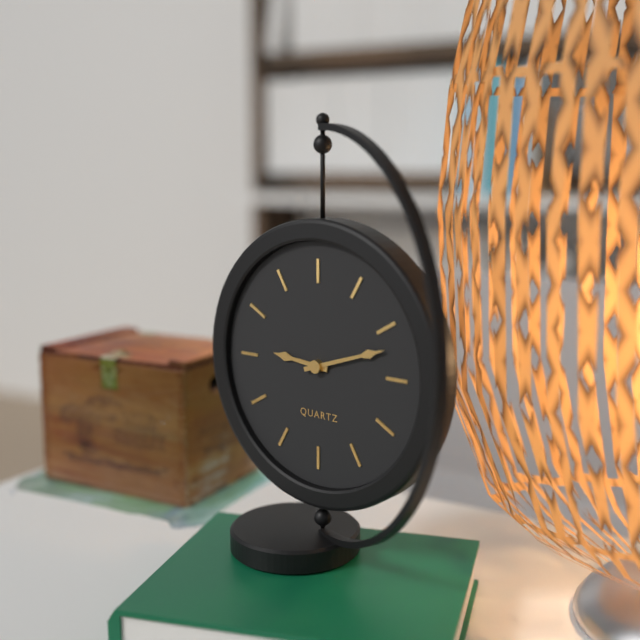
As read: {"hour": 9, "minute": 12}
